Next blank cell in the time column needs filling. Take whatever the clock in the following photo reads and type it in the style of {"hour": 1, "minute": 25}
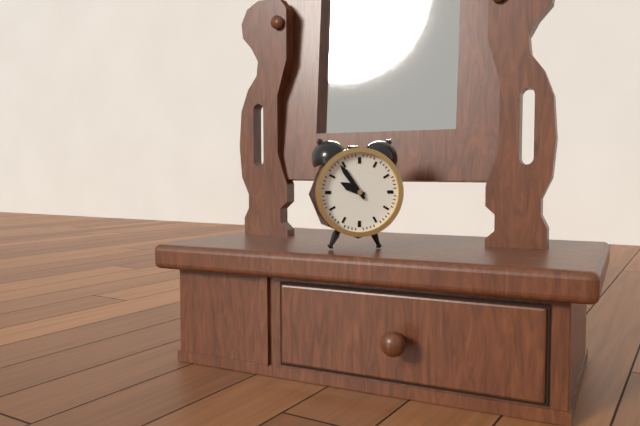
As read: {"hour": 9, "minute": 54}
